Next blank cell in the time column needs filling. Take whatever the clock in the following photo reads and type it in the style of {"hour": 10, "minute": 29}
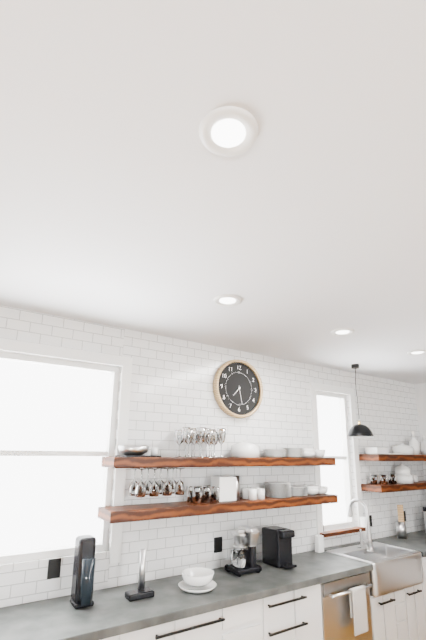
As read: {"hour": 7, "minute": 28}
